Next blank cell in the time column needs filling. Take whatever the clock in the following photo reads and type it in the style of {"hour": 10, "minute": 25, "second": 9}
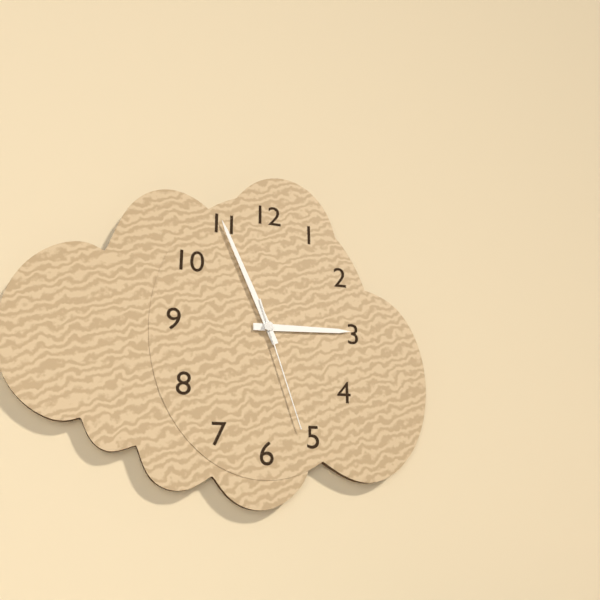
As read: {"hour": 2, "minute": 56, "second": 27}
